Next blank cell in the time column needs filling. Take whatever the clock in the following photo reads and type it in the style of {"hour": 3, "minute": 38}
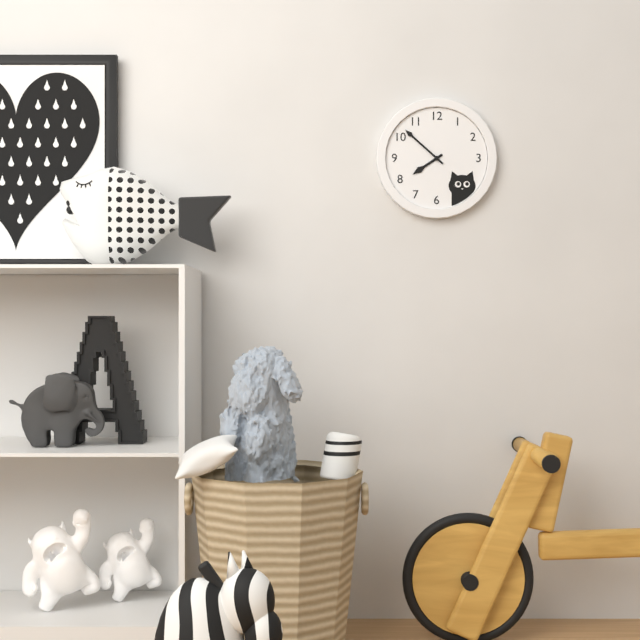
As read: {"hour": 7, "minute": 52}
